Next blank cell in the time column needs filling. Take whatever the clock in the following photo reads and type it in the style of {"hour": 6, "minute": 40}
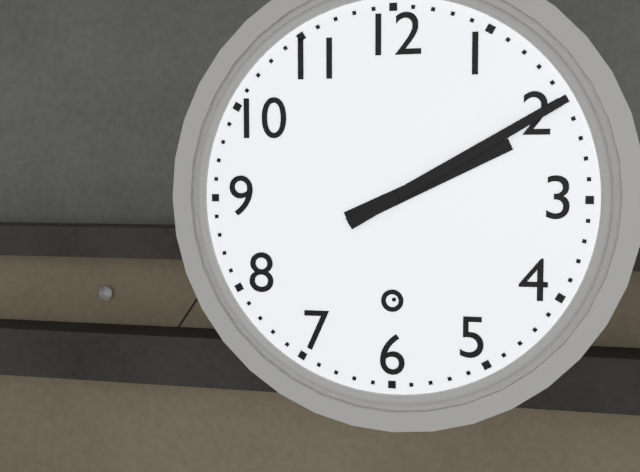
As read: {"hour": 2, "minute": 10}
